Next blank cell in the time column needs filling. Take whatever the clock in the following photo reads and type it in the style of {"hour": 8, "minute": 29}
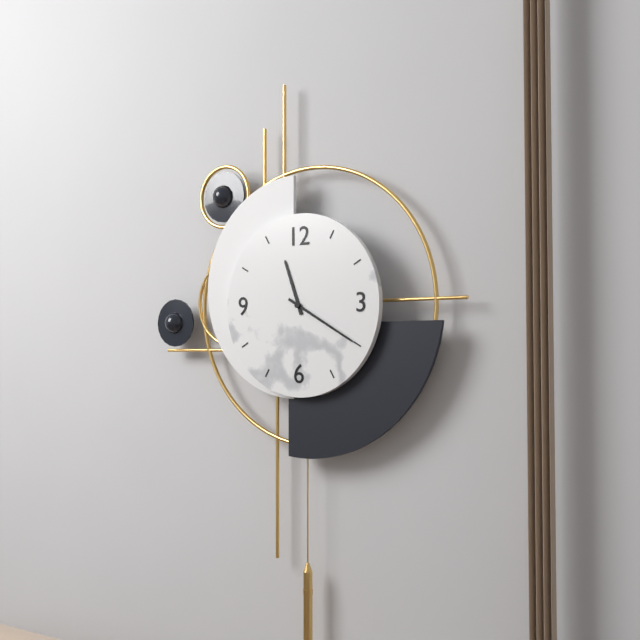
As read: {"hour": 11, "minute": 20}
